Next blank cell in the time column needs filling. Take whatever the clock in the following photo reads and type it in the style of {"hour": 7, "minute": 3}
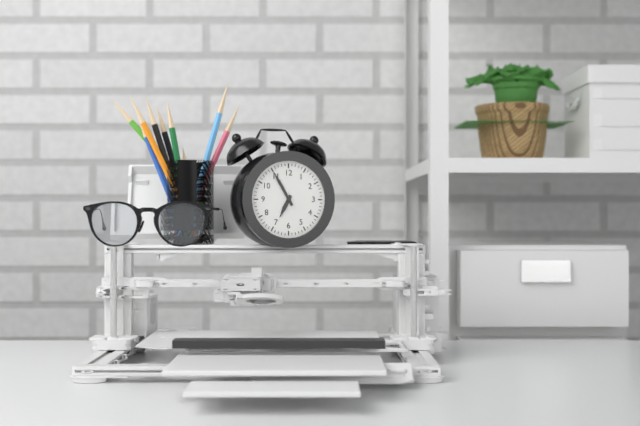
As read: {"hour": 6, "minute": 55}
